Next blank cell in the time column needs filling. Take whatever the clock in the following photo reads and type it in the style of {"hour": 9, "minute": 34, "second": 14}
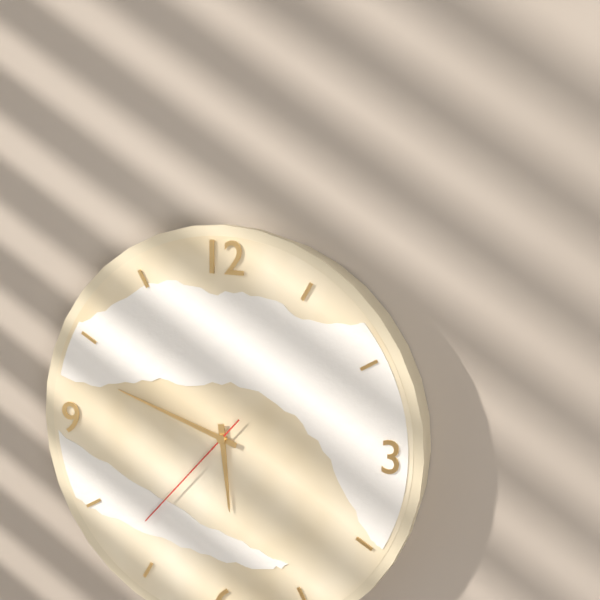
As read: {"hour": 5, "minute": 48, "second": 37}
